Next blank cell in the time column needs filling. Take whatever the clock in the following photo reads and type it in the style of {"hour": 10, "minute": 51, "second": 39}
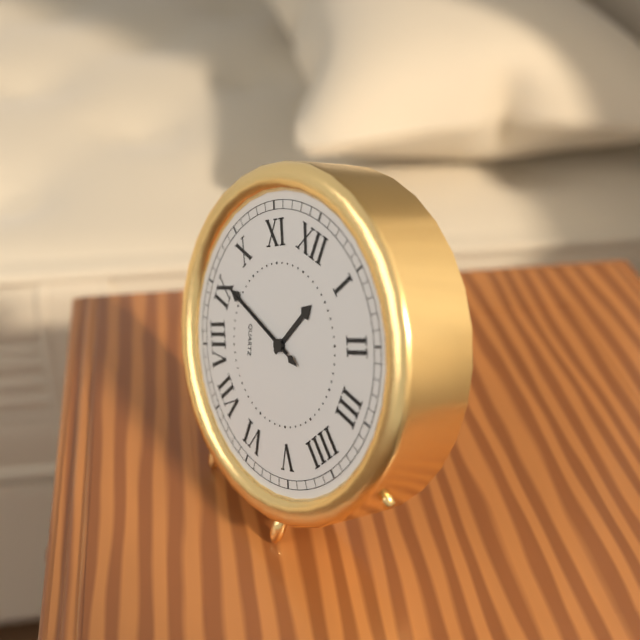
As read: {"hour": 12, "minute": 46, "second": 46}
